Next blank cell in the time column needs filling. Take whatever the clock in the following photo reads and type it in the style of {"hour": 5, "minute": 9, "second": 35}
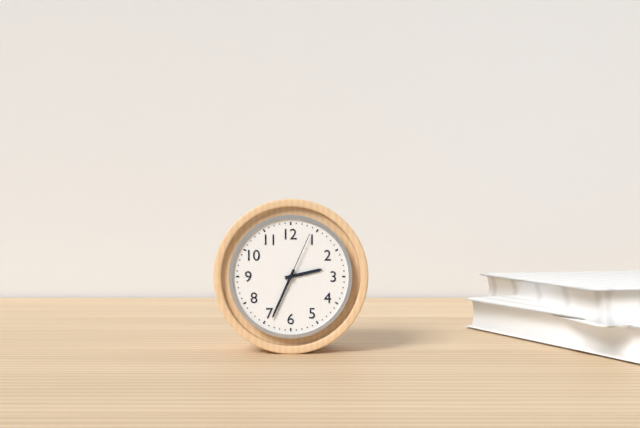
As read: {"hour": 2, "minute": 34, "second": 4}
